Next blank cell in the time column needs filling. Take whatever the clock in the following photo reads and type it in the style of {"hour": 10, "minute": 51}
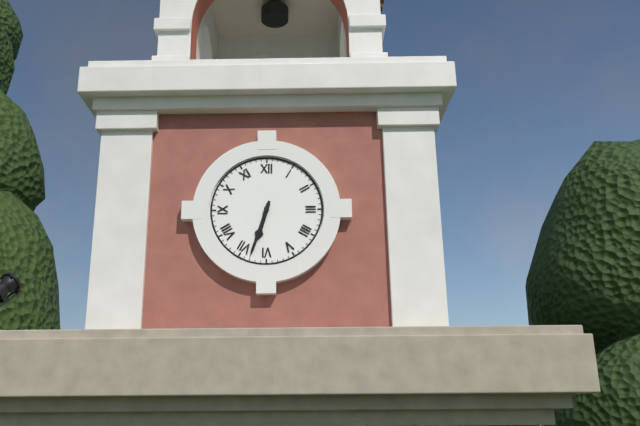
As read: {"hour": 6, "minute": 33}
